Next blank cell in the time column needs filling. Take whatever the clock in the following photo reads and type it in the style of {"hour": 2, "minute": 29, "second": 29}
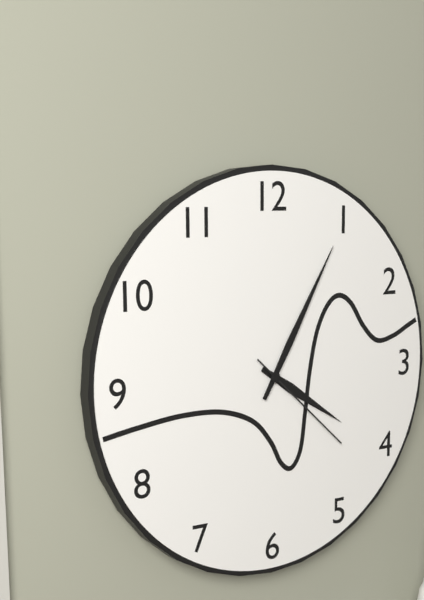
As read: {"hour": 4, "minute": 5, "second": 22}
